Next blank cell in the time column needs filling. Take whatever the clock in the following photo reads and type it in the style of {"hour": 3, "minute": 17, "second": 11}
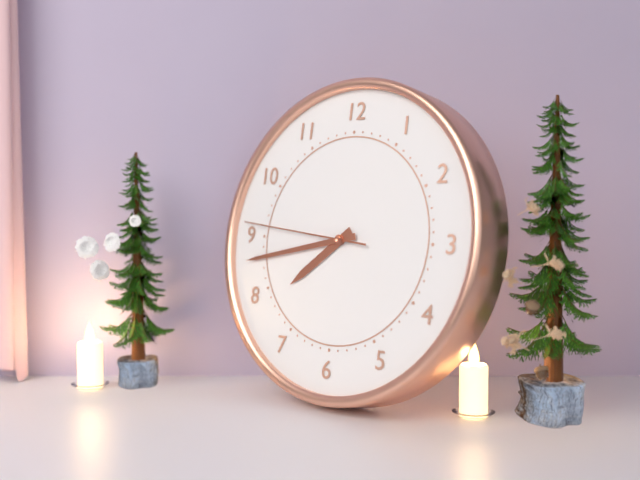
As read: {"hour": 7, "minute": 43, "second": 46}
